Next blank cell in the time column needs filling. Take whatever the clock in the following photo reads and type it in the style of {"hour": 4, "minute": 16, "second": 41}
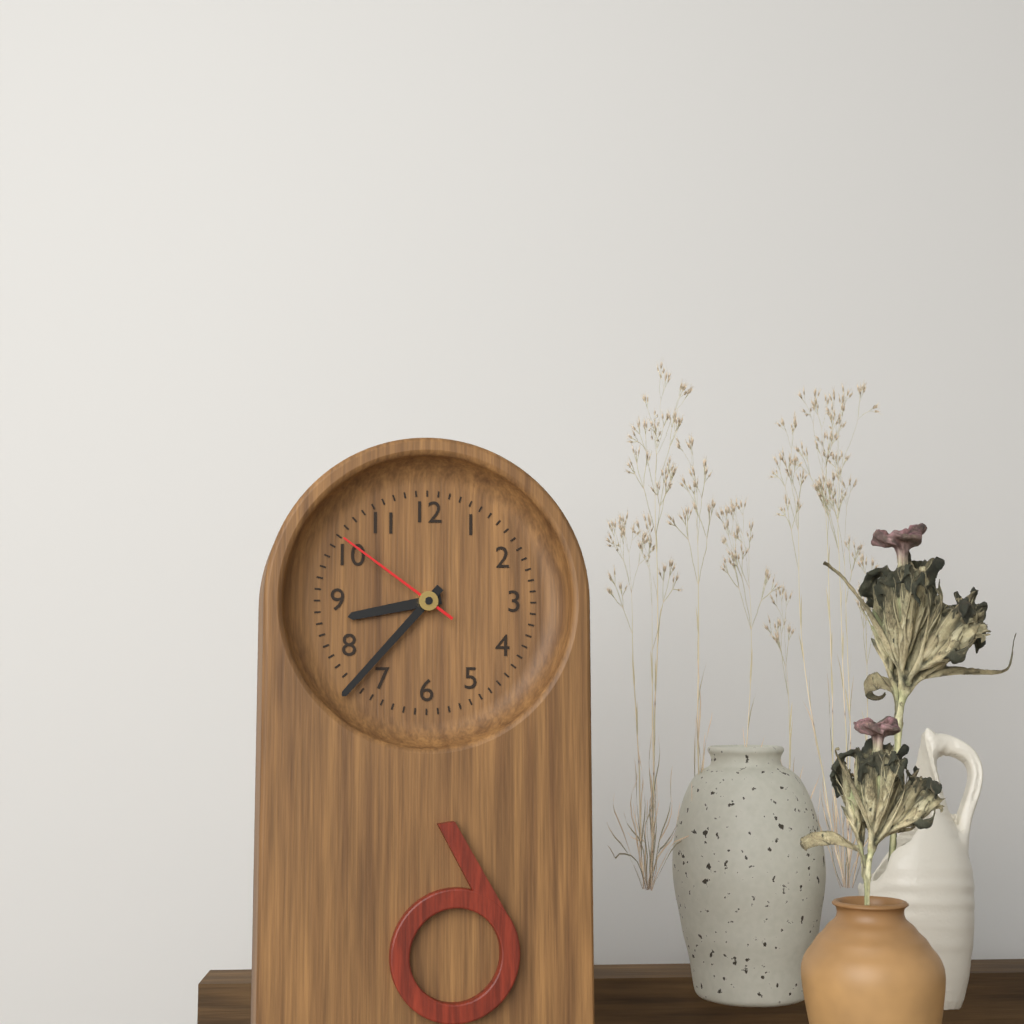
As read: {"hour": 8, "minute": 37, "second": 51}
